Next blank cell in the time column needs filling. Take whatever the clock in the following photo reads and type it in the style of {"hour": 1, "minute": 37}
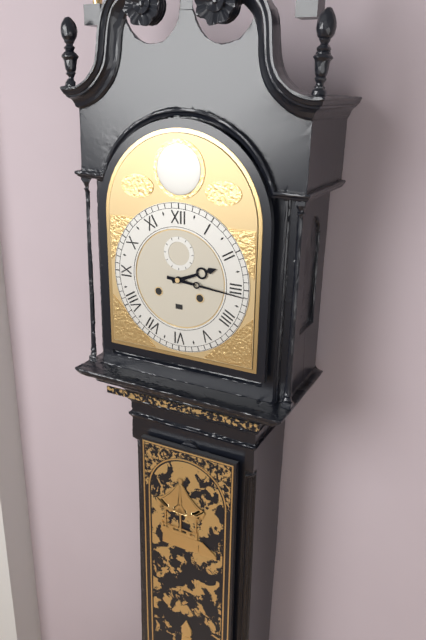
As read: {"hour": 2, "minute": 16}
